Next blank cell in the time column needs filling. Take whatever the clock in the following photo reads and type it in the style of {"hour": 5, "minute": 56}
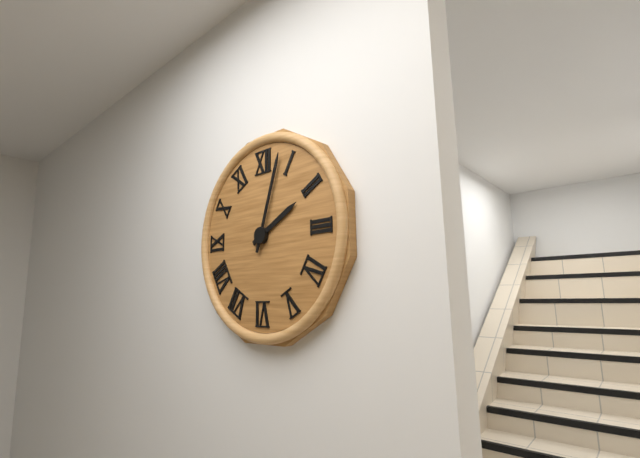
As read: {"hour": 2, "minute": 3}
